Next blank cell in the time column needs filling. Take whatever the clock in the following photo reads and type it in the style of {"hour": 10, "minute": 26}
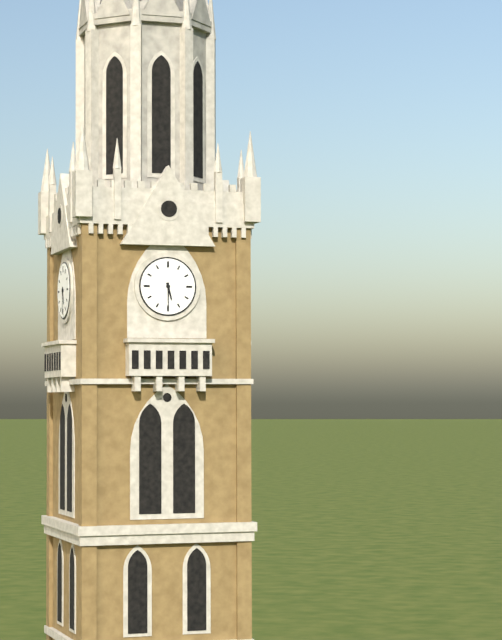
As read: {"hour": 5, "minute": 30}
